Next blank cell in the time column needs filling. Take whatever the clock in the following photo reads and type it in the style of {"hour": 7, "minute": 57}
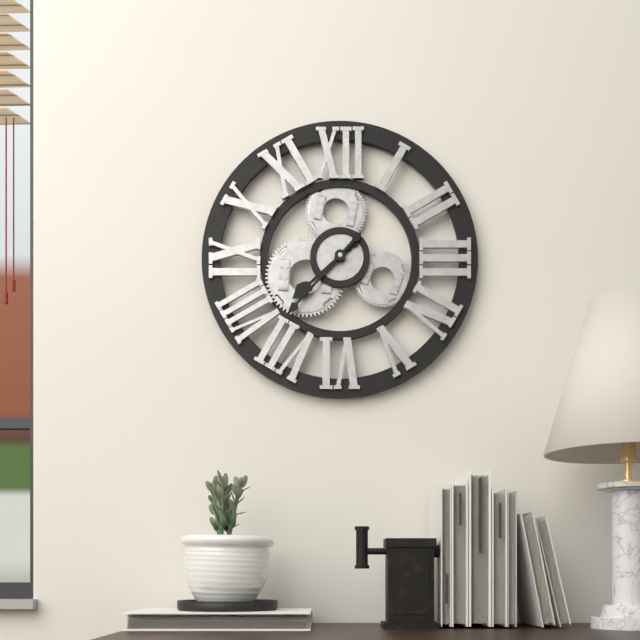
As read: {"hour": 7, "minute": 37}
